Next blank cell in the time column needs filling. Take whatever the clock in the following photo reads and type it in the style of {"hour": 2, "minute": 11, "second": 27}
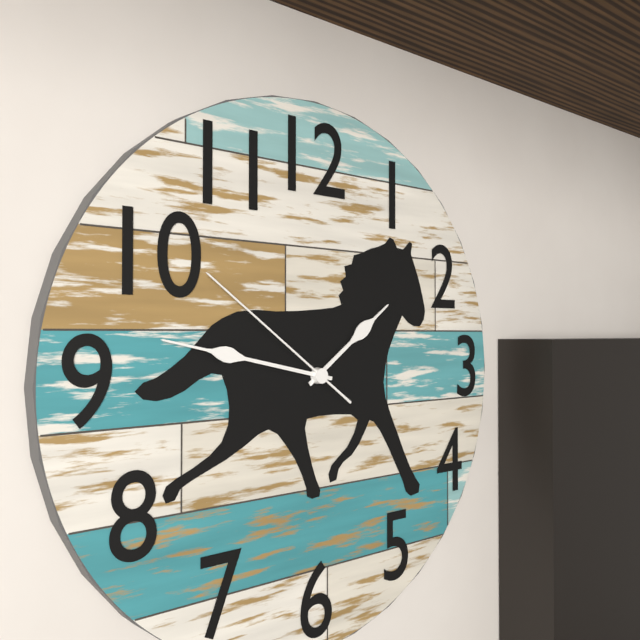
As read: {"hour": 1, "minute": 47, "second": 51}
